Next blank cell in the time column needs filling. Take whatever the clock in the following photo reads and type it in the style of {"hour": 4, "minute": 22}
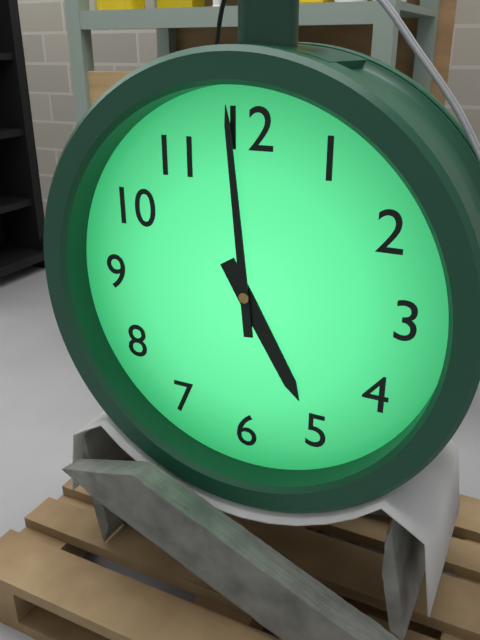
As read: {"hour": 4, "minute": 59}
